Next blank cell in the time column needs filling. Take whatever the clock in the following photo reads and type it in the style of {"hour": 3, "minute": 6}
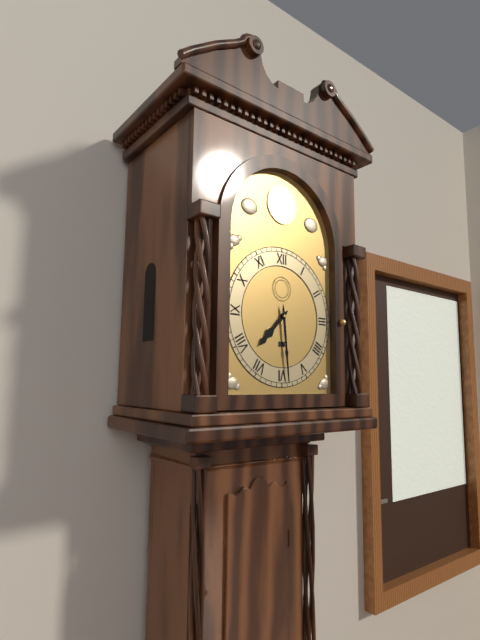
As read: {"hour": 7, "minute": 29}
